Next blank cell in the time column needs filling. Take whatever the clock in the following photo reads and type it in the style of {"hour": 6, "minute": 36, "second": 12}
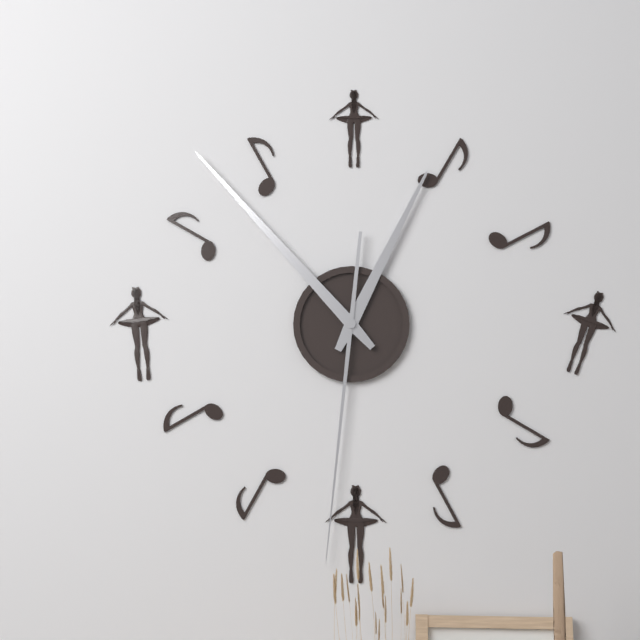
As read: {"hour": 12, "minute": 53, "second": 31}
